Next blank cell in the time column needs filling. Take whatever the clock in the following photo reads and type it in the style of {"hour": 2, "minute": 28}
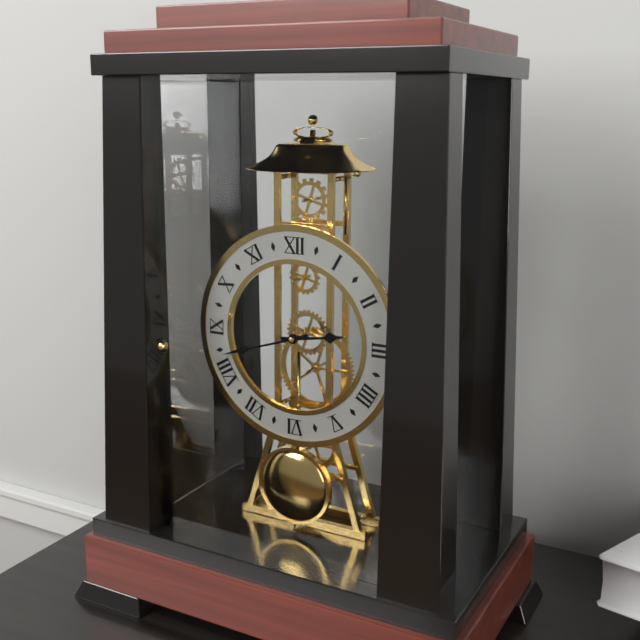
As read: {"hour": 2, "minute": 42}
